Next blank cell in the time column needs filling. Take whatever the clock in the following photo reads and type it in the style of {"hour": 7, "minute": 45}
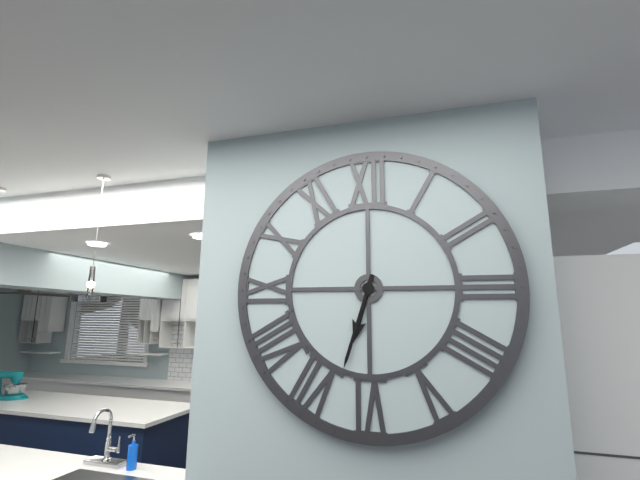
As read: {"hour": 6, "minute": 33}
